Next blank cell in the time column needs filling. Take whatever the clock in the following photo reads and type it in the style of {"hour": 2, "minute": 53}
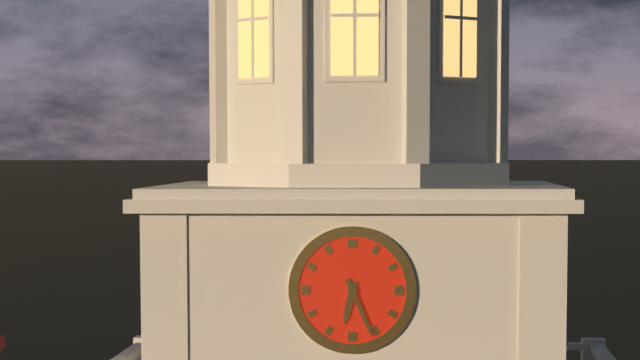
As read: {"hour": 6, "minute": 26}
